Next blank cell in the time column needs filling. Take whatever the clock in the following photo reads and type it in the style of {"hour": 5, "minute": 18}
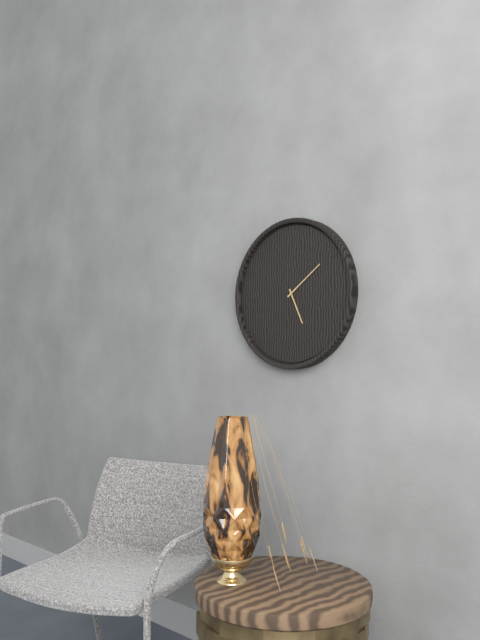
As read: {"hour": 5, "minute": 9}
